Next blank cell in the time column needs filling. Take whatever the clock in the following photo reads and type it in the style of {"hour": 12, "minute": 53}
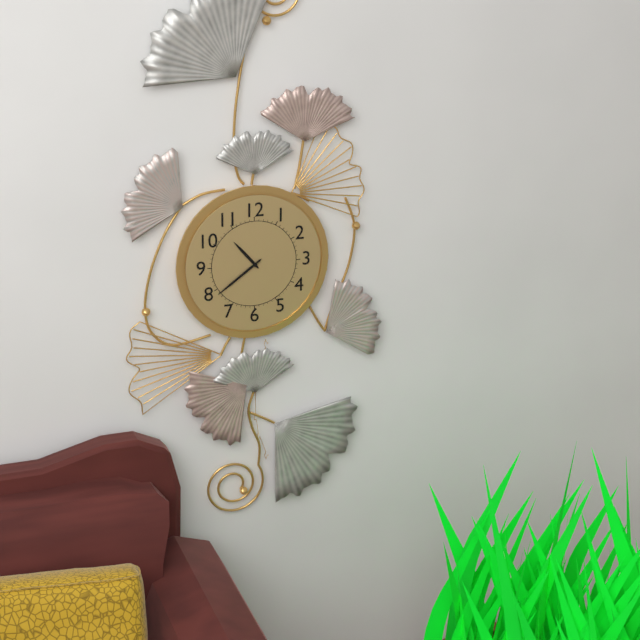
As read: {"hour": 10, "minute": 39}
